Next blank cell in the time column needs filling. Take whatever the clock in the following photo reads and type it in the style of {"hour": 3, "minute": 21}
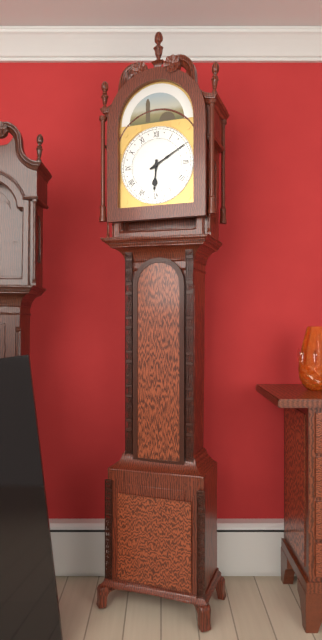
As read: {"hour": 6, "minute": 10}
